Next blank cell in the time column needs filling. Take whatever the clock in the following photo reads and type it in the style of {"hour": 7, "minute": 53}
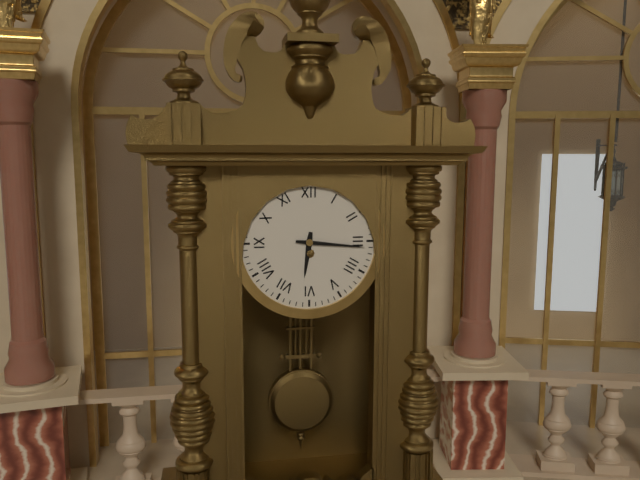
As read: {"hour": 6, "minute": 16}
